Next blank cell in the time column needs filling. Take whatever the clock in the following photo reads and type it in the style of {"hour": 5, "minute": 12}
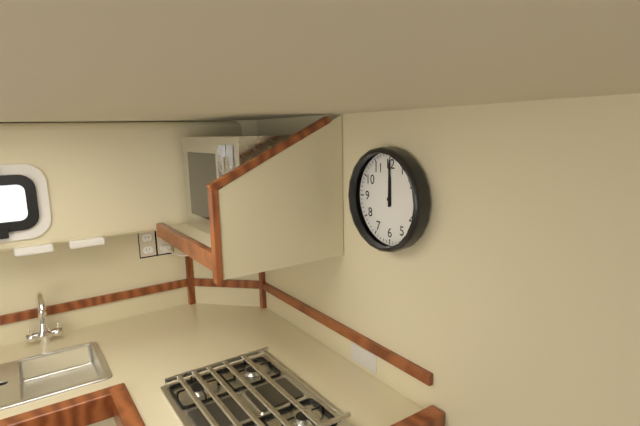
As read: {"hour": 12, "minute": 0}
